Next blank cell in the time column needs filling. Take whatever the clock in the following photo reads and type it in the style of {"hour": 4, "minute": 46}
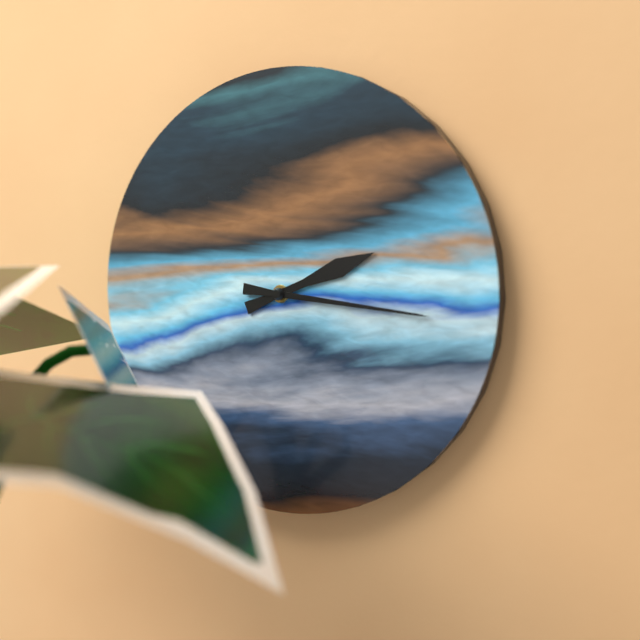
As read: {"hour": 2, "minute": 16}
